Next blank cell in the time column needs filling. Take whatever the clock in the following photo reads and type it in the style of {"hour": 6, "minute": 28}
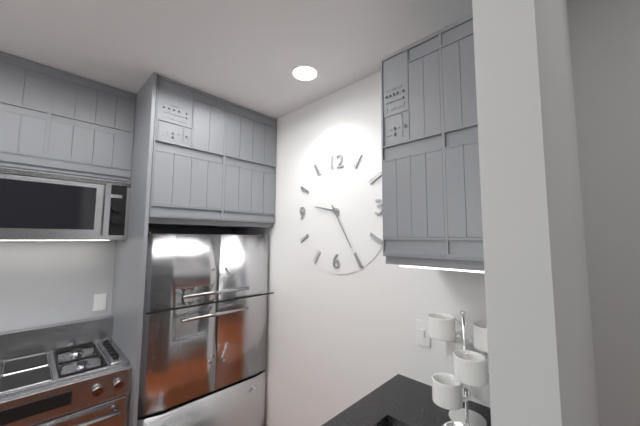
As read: {"hour": 9, "minute": 25}
